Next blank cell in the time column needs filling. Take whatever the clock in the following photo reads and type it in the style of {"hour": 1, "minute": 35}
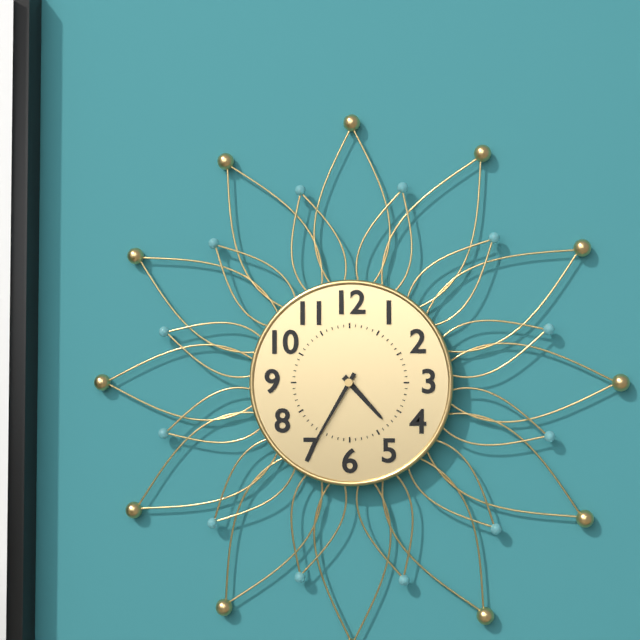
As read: {"hour": 4, "minute": 35}
